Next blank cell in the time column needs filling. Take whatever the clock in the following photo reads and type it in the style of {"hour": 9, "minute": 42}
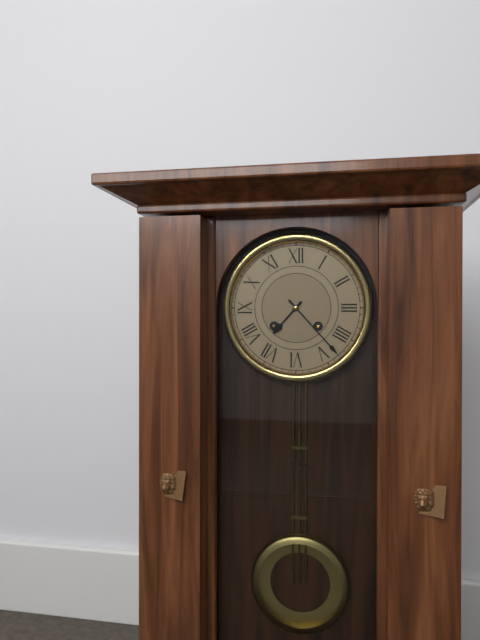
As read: {"hour": 7, "minute": 23}
